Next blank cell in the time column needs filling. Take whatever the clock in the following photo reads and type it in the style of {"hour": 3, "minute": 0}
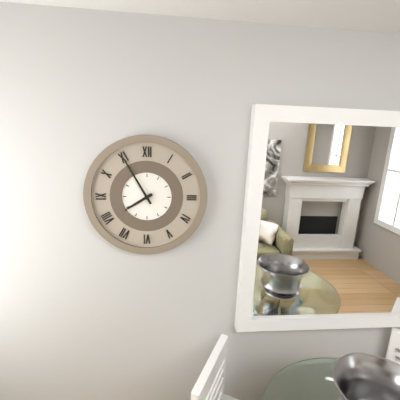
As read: {"hour": 7, "minute": 55}
